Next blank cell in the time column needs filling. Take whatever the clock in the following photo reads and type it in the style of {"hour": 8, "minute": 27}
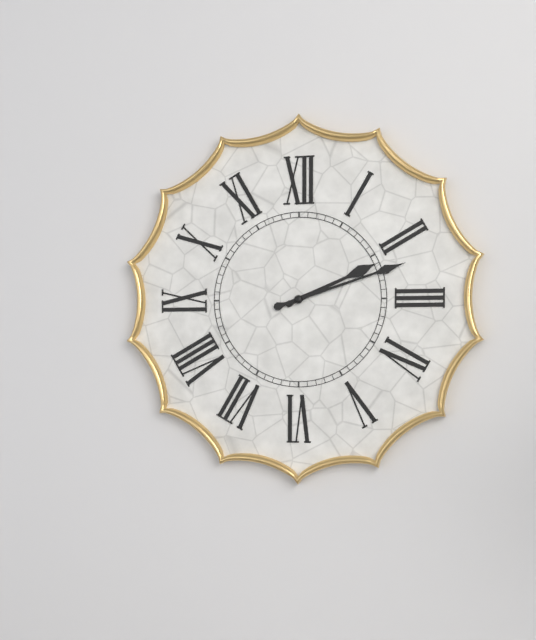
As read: {"hour": 2, "minute": 12}
